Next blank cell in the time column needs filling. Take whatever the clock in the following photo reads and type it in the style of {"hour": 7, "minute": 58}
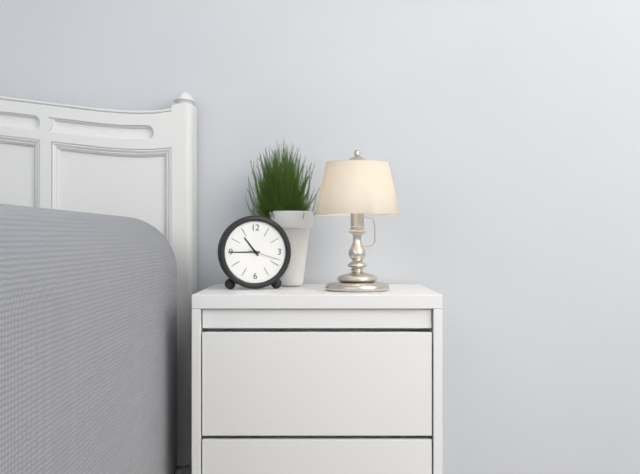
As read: {"hour": 10, "minute": 45}
